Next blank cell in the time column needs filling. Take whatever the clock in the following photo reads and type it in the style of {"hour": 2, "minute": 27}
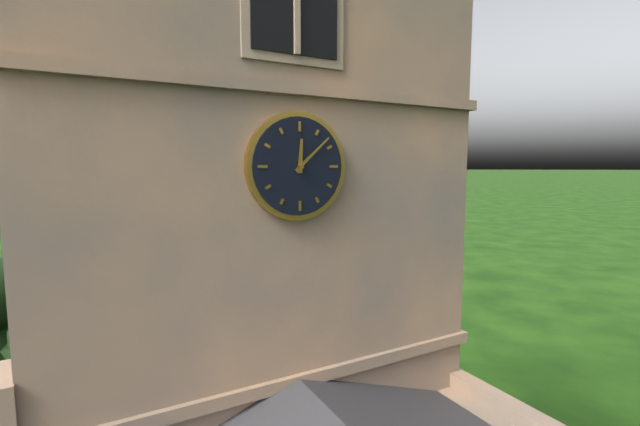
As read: {"hour": 12, "minute": 8}
